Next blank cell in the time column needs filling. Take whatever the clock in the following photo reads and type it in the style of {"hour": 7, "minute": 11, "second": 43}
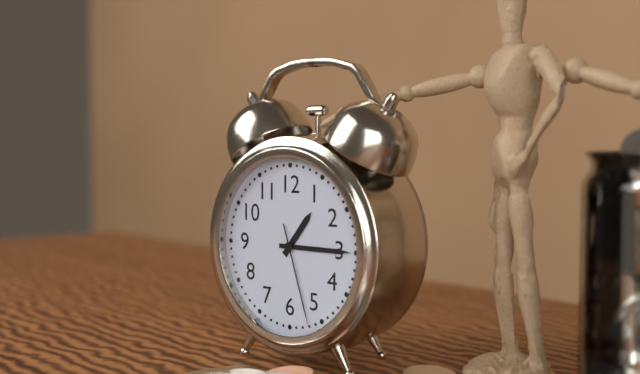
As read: {"hour": 1, "minute": 15, "second": 27}
